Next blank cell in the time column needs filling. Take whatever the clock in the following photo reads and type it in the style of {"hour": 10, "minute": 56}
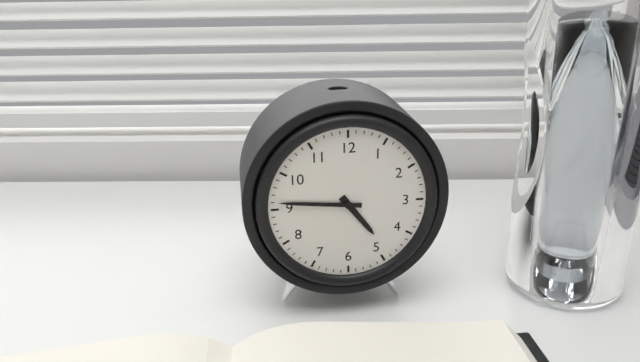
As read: {"hour": 4, "minute": 46}
